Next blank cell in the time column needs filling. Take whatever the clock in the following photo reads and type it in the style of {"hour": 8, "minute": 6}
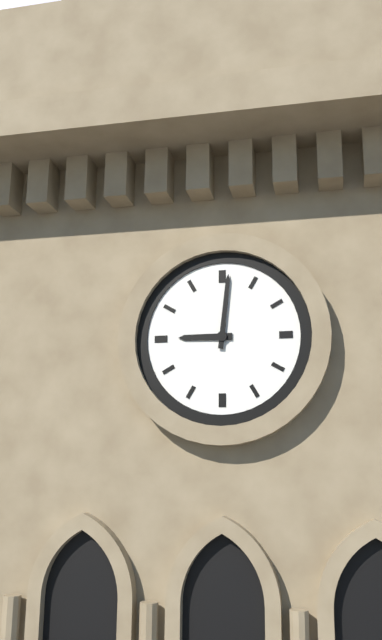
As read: {"hour": 9, "minute": 1}
